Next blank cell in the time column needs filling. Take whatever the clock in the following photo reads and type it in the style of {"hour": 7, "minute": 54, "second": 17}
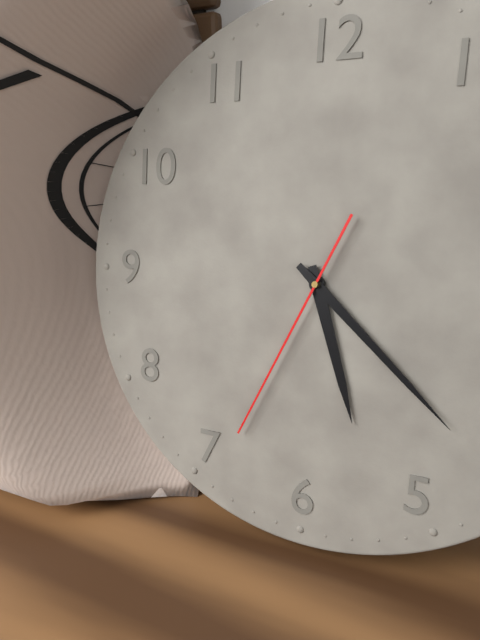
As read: {"hour": 5, "minute": 22, "second": 34}
